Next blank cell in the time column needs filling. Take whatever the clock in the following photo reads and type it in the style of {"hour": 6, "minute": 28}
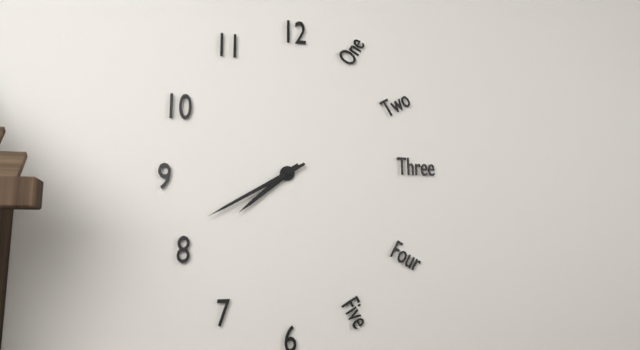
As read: {"hour": 7, "minute": 40}
